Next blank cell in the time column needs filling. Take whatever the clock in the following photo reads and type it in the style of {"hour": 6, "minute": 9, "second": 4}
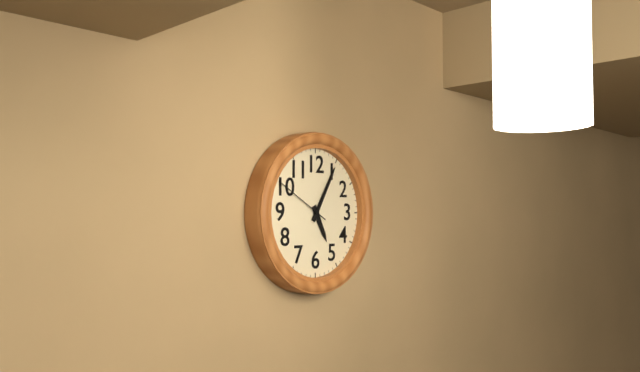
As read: {"hour": 5, "minute": 5, "second": 50}
